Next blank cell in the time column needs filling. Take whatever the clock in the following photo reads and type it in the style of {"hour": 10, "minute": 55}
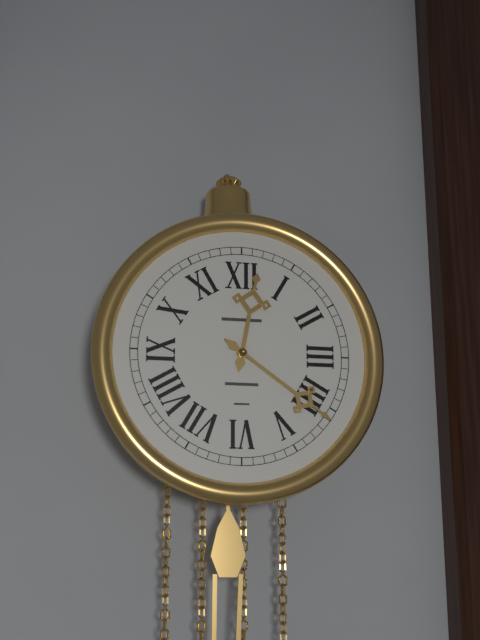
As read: {"hour": 12, "minute": 21}
